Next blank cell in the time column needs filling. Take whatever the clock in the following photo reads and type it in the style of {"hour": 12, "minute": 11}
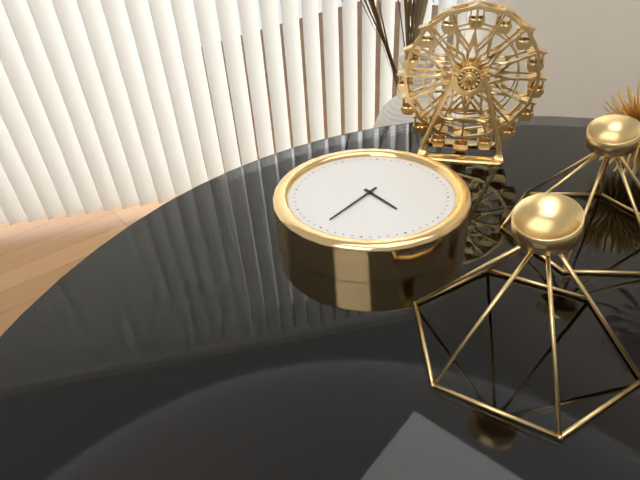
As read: {"hour": 3, "minute": 30}
